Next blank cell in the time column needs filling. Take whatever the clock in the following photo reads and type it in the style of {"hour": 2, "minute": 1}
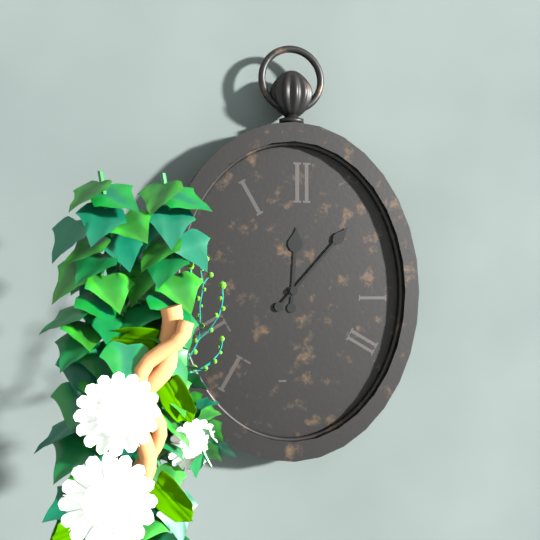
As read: {"hour": 12, "minute": 7}
